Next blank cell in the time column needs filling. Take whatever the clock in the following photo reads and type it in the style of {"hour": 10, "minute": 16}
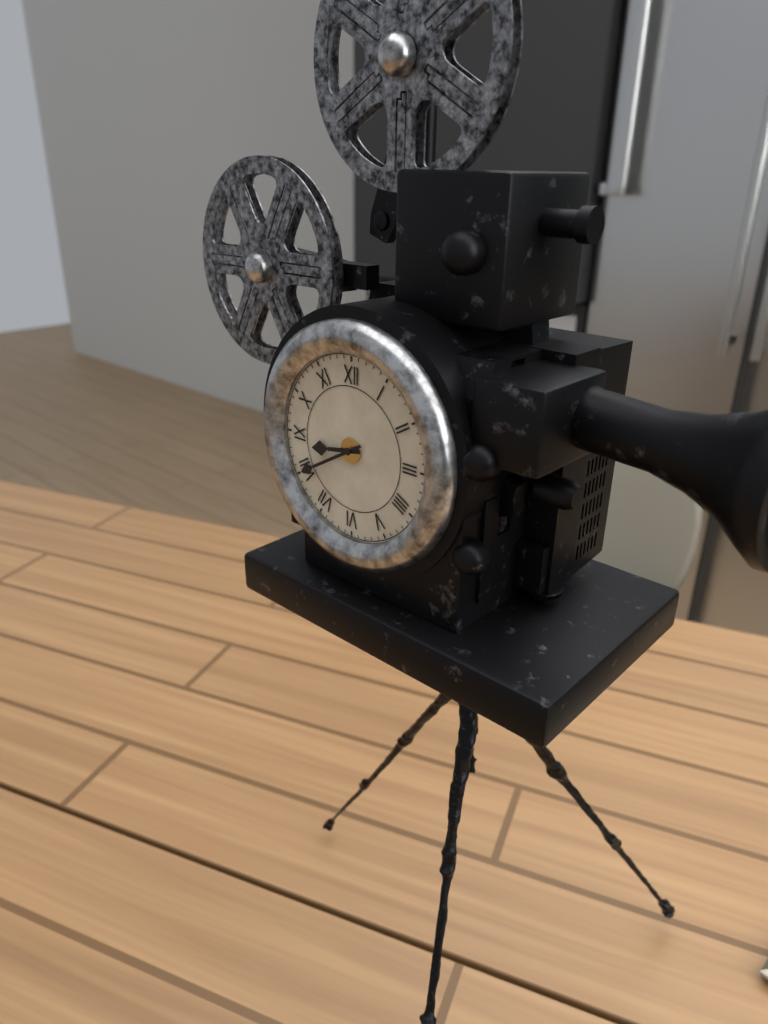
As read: {"hour": 8, "minute": 40}
